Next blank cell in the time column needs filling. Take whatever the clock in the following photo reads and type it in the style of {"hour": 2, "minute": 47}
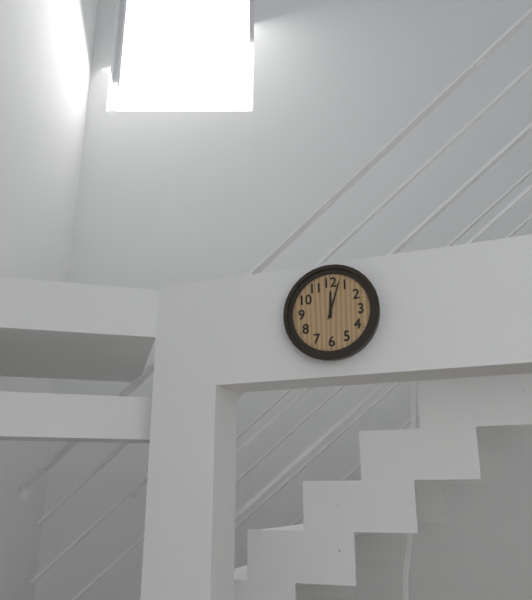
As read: {"hour": 12, "minute": 3}
